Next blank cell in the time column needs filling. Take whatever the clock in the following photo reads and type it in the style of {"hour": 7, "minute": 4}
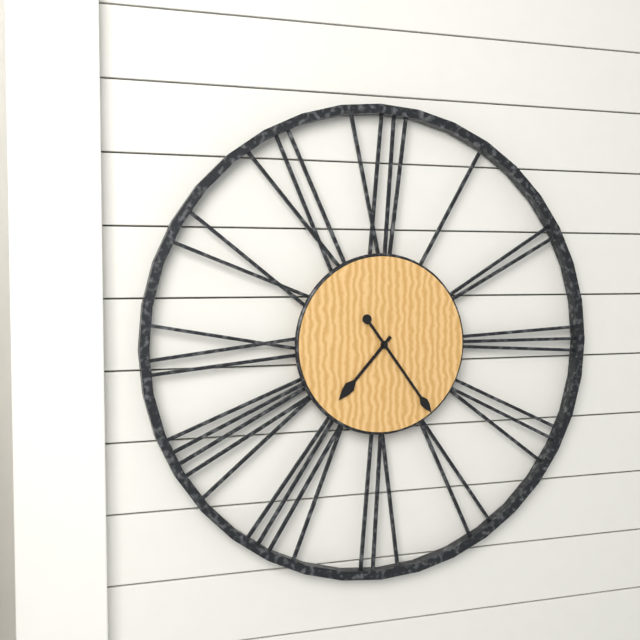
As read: {"hour": 7, "minute": 24}
